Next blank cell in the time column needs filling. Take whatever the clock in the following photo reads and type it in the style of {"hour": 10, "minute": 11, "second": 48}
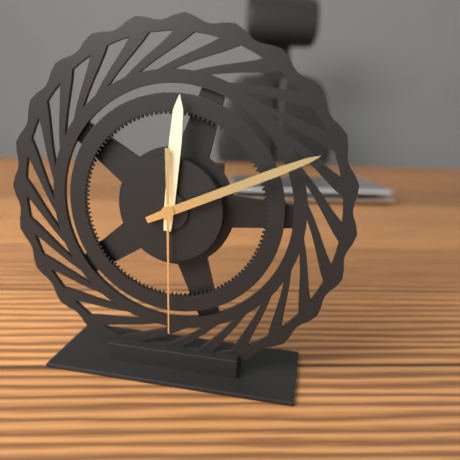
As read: {"hour": 12, "minute": 11, "second": 30}
